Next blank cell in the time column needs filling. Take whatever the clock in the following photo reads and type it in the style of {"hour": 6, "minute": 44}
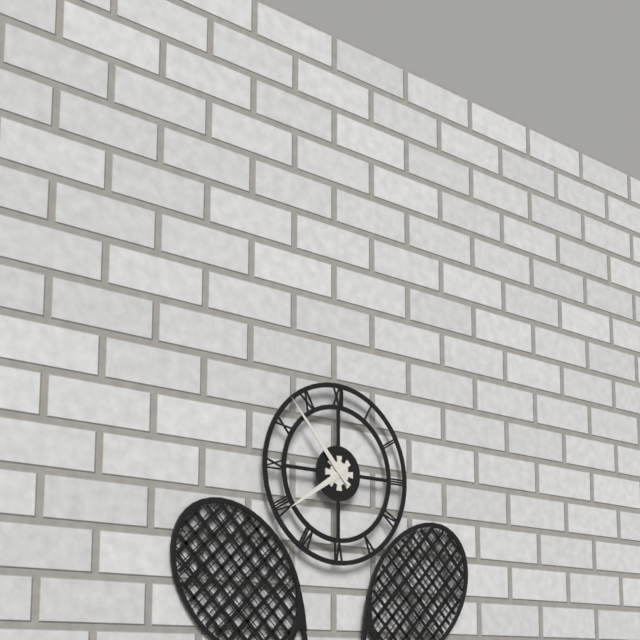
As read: {"hour": 7, "minute": 53}
